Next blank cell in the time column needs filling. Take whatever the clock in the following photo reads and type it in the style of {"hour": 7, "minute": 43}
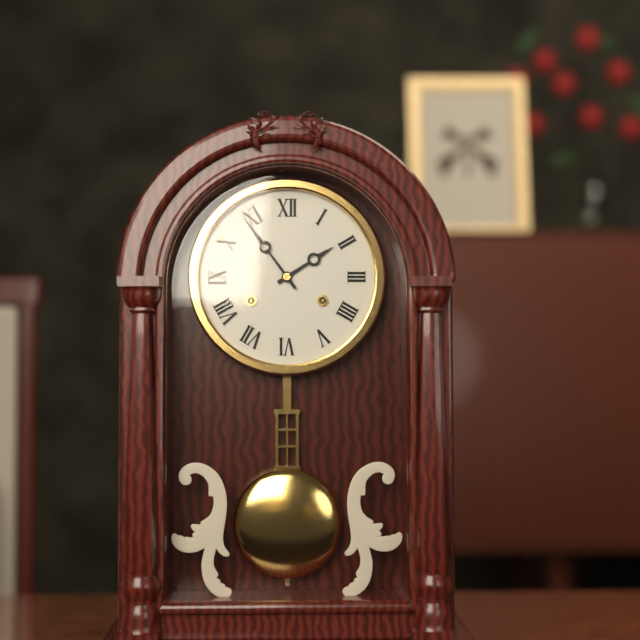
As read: {"hour": 1, "minute": 54}
